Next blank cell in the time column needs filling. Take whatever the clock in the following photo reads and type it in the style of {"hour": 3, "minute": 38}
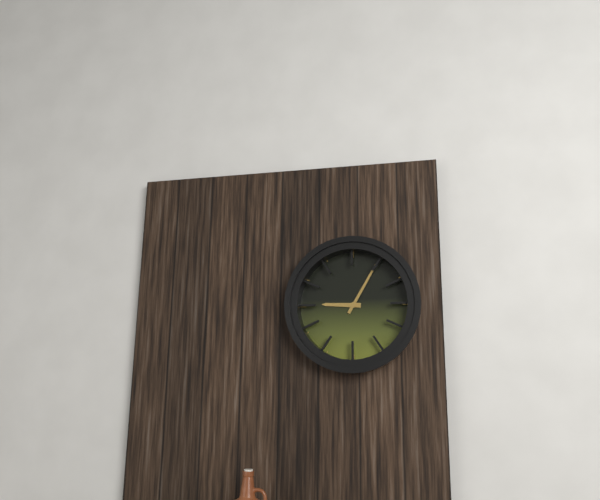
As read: {"hour": 9, "minute": 5}
